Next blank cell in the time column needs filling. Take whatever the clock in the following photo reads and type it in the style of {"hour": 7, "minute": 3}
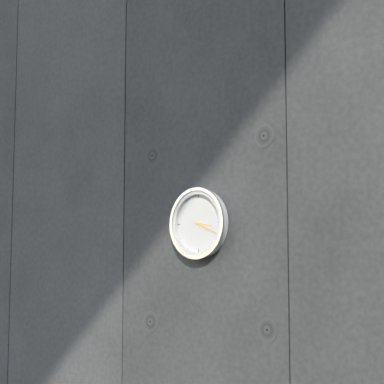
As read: {"hour": 3, "minute": 19}
